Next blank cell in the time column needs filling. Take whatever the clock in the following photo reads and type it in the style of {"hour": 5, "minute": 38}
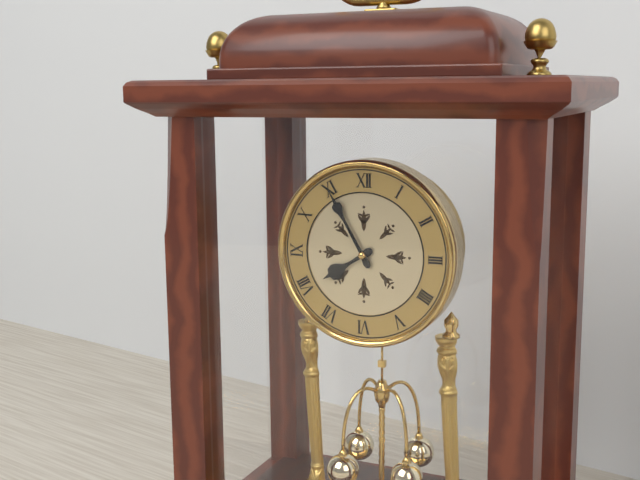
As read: {"hour": 7, "minute": 55}
